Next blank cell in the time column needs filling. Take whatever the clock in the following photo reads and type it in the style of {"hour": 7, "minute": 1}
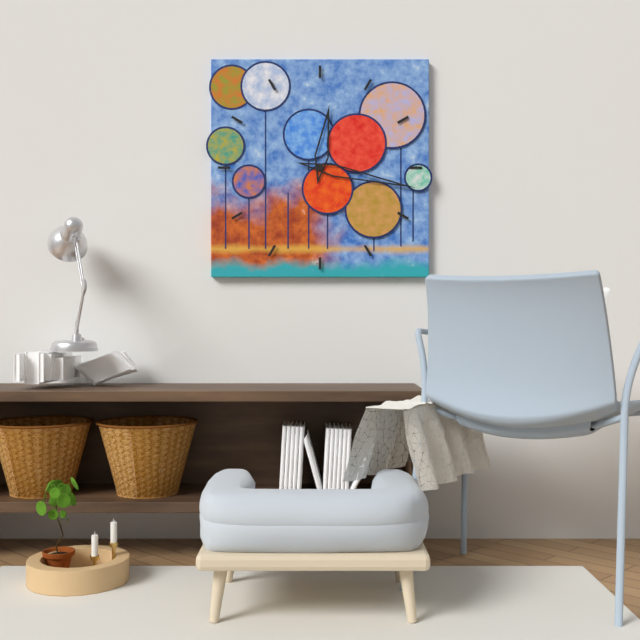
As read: {"hour": 12, "minute": 17}
